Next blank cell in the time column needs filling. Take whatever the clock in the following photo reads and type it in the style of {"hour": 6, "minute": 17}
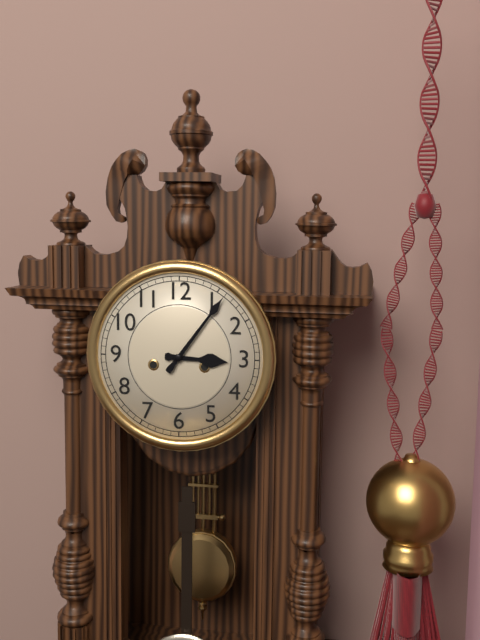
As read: {"hour": 3, "minute": 6}
